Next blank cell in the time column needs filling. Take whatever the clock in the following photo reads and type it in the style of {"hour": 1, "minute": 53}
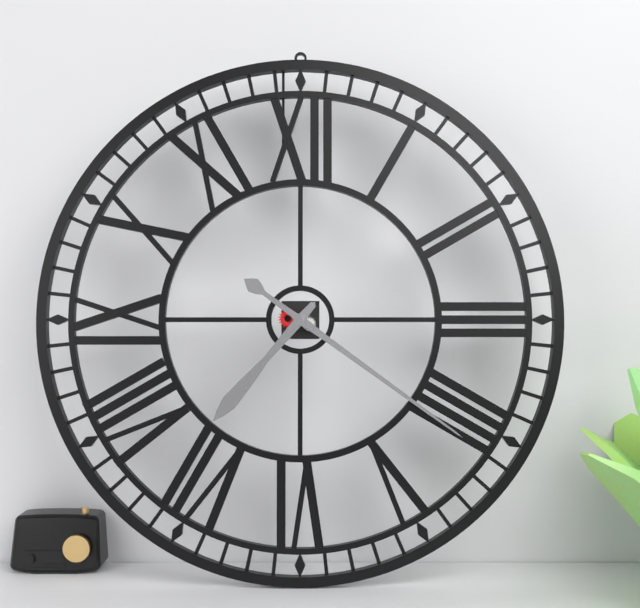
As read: {"hour": 7, "minute": 21}
